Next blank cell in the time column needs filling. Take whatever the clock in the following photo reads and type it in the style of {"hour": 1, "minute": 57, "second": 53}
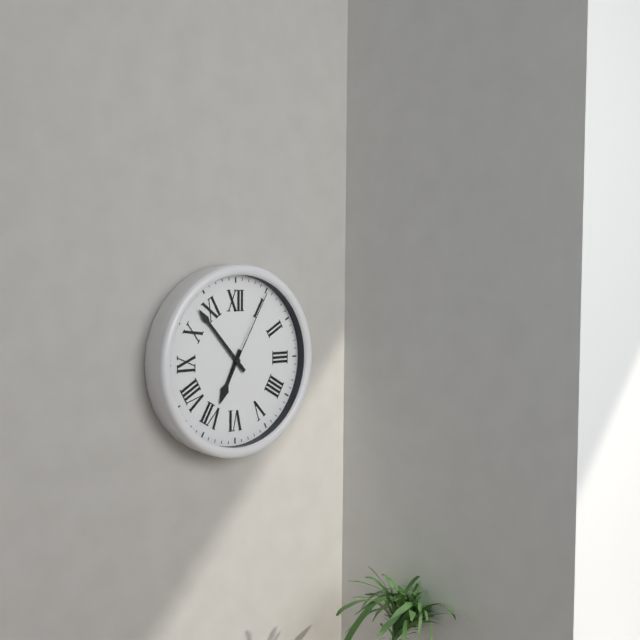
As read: {"hour": 6, "minute": 53, "second": 5}
